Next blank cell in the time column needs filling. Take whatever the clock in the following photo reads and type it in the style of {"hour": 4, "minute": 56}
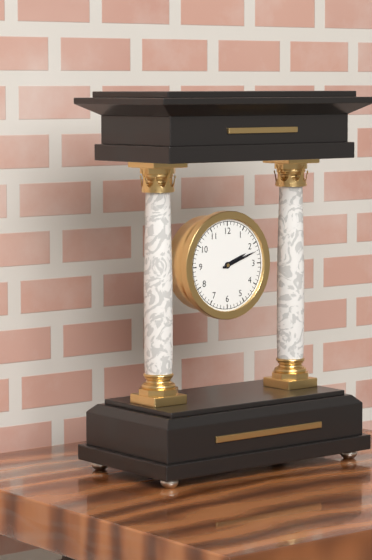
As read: {"hour": 2, "minute": 12}
